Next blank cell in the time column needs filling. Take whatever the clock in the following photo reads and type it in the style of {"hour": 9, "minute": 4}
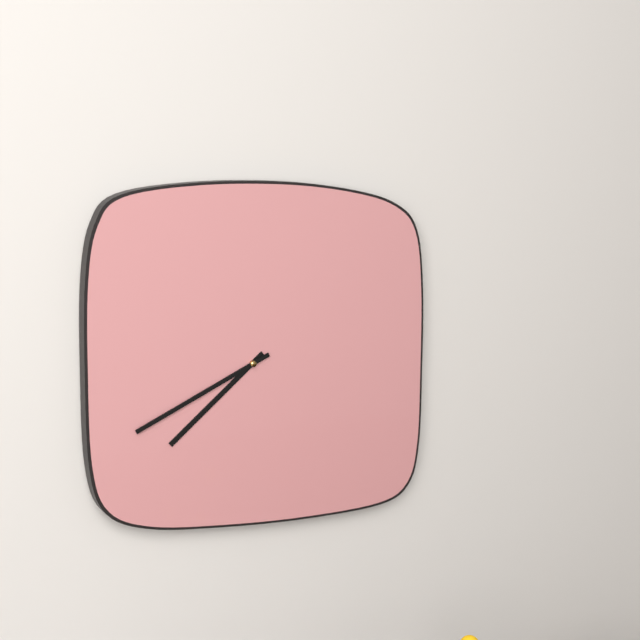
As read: {"hour": 7, "minute": 41}
